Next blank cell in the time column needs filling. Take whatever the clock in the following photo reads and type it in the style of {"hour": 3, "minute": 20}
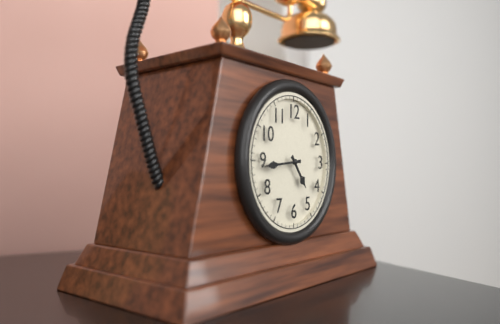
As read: {"hour": 4, "minute": 44}
